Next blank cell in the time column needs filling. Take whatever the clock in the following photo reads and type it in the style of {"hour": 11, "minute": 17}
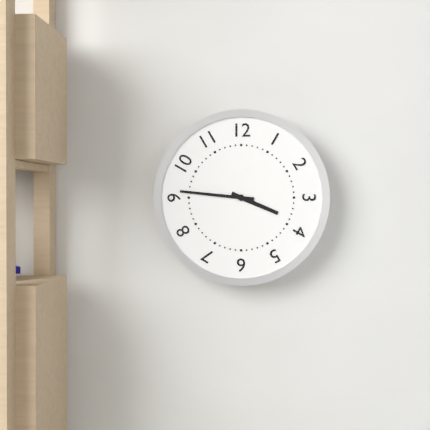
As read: {"hour": 3, "minute": 46}
